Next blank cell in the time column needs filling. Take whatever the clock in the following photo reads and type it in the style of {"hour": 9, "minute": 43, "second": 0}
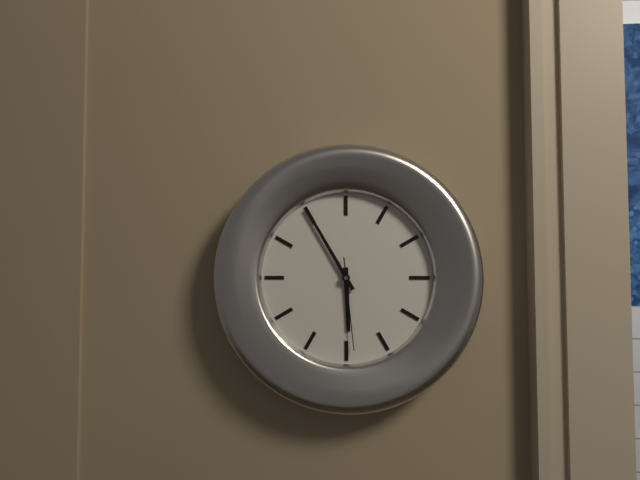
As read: {"hour": 5, "minute": 55, "second": 29}
